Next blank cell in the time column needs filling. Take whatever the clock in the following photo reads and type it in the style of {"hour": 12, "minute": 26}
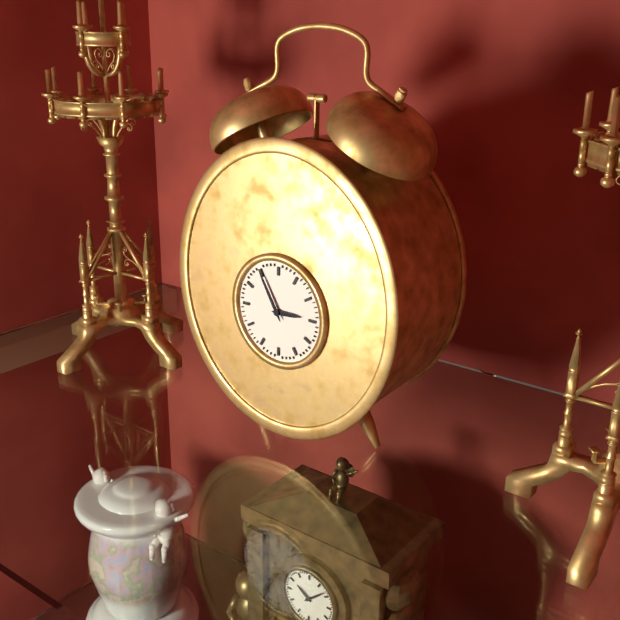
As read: {"hour": 2, "minute": 55}
